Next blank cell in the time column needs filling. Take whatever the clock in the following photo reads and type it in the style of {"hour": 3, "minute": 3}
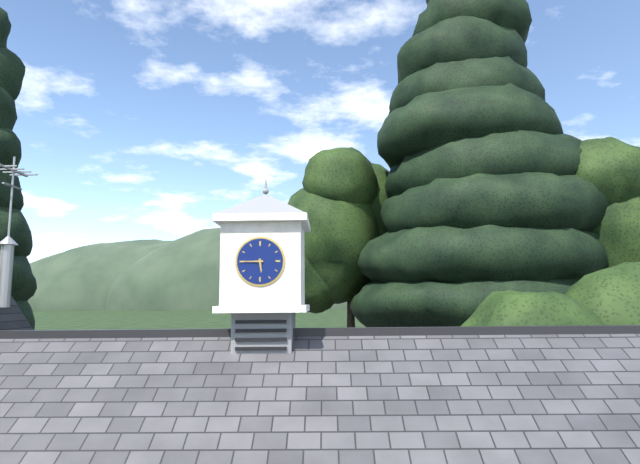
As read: {"hour": 5, "minute": 45}
